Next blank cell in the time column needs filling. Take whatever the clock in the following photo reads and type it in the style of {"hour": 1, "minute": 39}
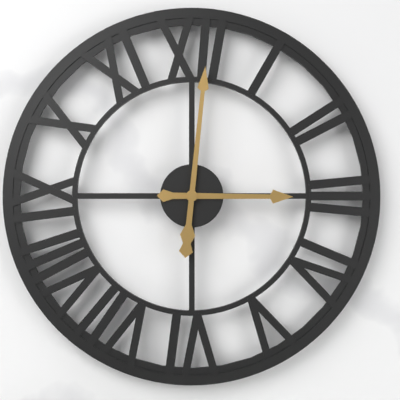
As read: {"hour": 3, "minute": 1}
